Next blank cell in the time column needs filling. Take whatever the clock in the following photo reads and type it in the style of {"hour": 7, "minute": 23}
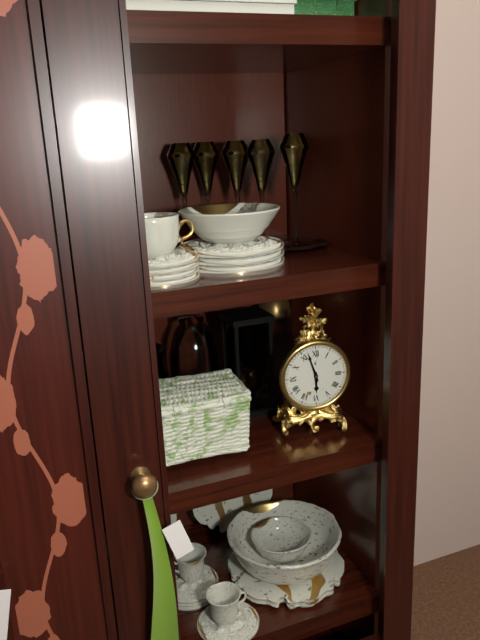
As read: {"hour": 5, "minute": 57}
